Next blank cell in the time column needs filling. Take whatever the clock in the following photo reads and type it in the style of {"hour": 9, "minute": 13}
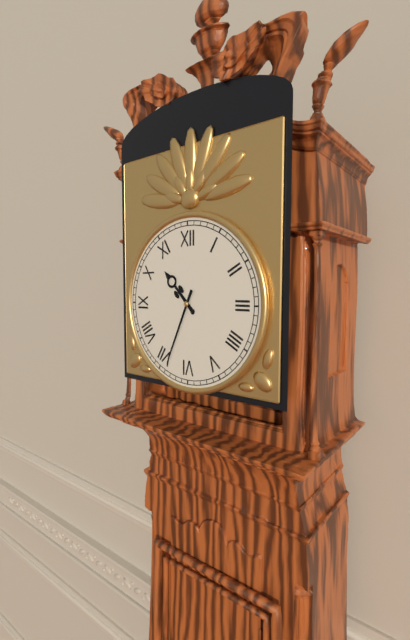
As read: {"hour": 10, "minute": 34}
